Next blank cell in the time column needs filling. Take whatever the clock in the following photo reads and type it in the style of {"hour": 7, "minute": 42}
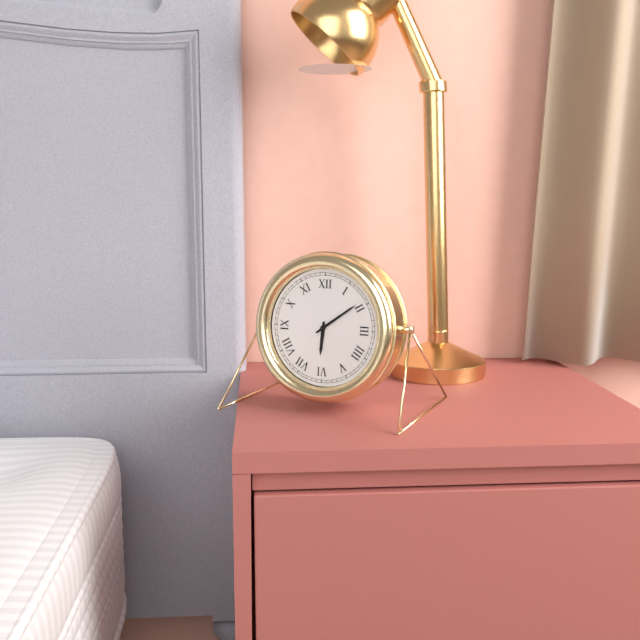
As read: {"hour": 6, "minute": 9}
